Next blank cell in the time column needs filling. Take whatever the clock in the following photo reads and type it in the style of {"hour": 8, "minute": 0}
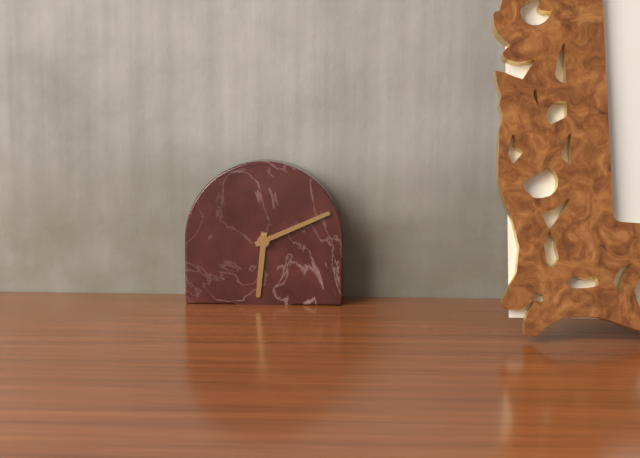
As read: {"hour": 6, "minute": 11}
